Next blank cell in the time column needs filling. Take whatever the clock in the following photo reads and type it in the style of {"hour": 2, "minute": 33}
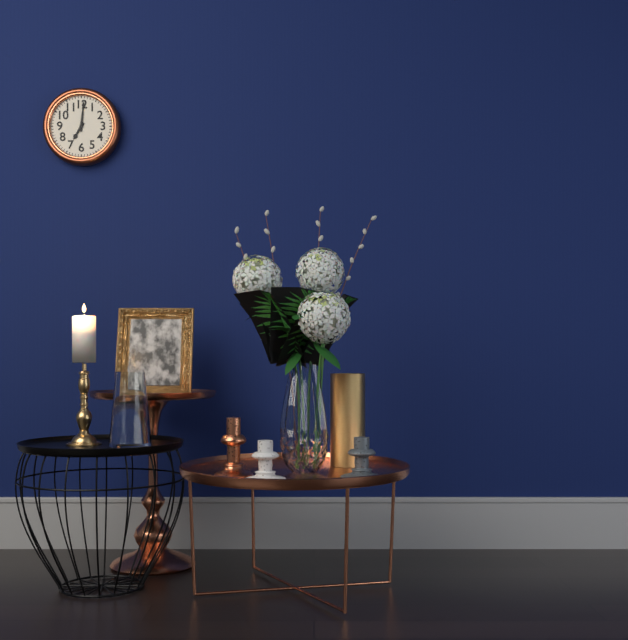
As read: {"hour": 7, "minute": 1}
